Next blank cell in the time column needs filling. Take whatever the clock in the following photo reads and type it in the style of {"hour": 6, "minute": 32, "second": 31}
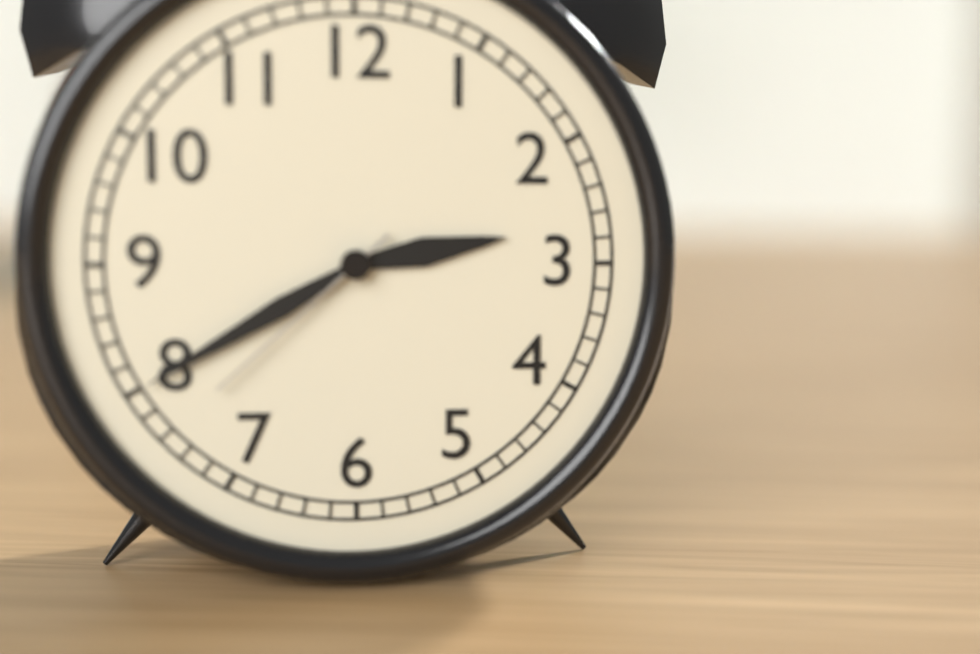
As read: {"hour": 2, "minute": 40, "second": 38}
